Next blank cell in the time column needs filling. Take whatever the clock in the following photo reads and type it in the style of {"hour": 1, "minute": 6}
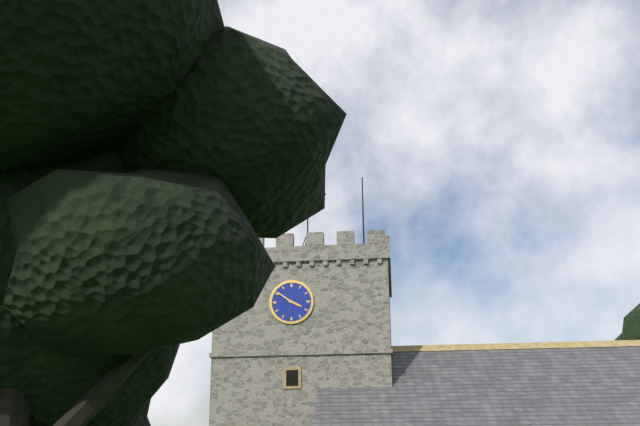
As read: {"hour": 3, "minute": 51}
